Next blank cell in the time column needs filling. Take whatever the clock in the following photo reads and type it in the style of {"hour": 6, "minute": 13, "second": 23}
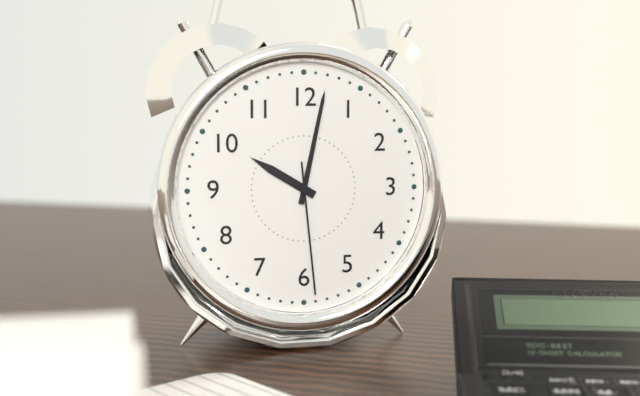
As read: {"hour": 10, "minute": 2, "second": 29}
